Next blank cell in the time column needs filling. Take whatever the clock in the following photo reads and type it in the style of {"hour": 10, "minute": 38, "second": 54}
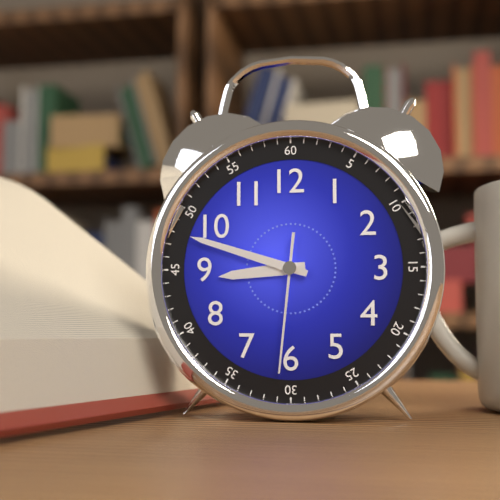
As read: {"hour": 8, "minute": 48, "second": 31}
